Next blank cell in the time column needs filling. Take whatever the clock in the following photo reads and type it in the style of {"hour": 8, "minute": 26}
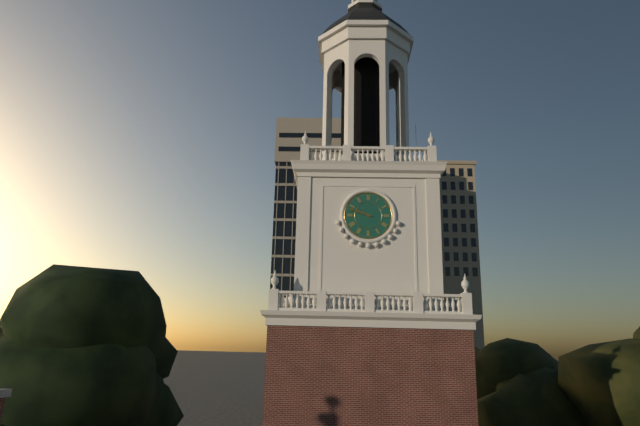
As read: {"hour": 9, "minute": 48}
